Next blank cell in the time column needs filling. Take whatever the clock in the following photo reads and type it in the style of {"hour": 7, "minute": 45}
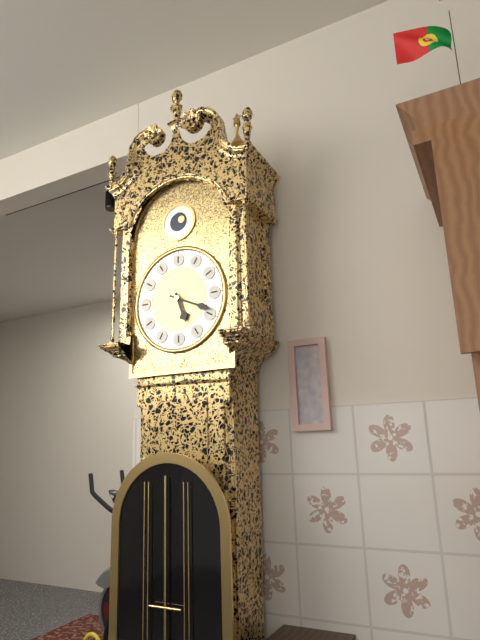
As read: {"hour": 5, "minute": 19}
